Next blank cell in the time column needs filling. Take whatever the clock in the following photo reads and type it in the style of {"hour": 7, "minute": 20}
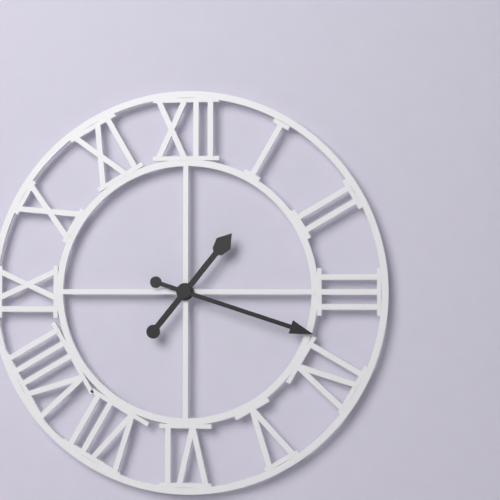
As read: {"hour": 1, "minute": 18}
